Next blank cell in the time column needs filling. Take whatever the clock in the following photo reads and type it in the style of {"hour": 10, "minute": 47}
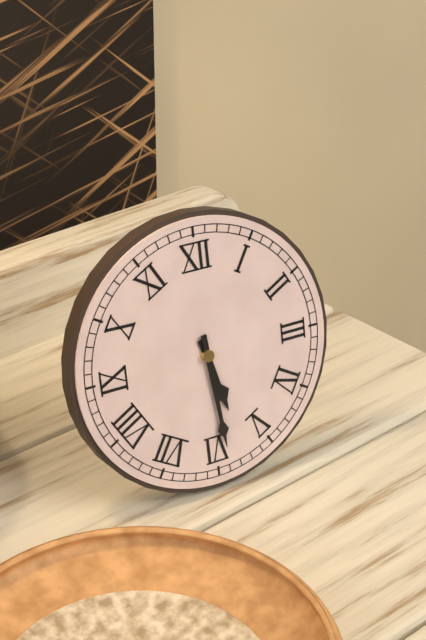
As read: {"hour": 5, "minute": 29}
